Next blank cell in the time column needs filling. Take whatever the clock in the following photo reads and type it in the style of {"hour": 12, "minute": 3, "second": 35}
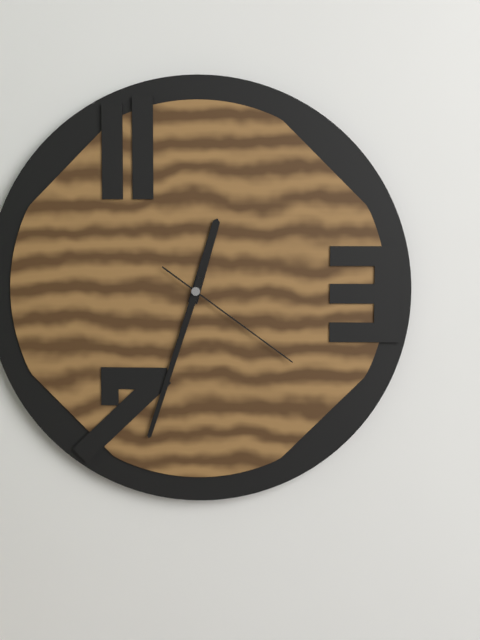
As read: {"hour": 12, "minute": 33, "second": 21}
